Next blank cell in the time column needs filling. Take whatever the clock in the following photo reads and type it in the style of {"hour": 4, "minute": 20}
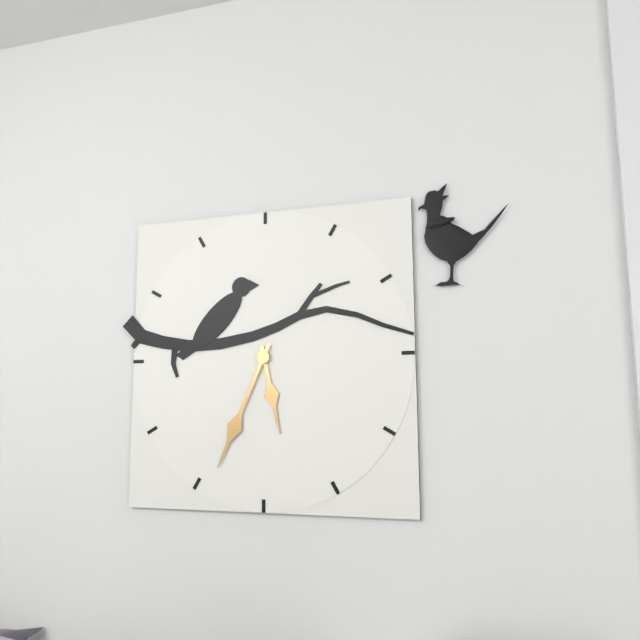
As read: {"hour": 5, "minute": 34}
